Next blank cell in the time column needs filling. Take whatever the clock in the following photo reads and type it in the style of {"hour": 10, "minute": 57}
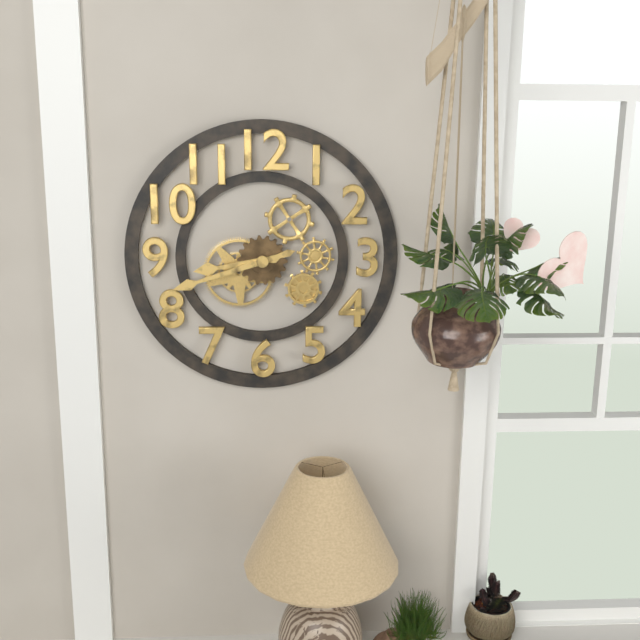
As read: {"hour": 8, "minute": 42}
